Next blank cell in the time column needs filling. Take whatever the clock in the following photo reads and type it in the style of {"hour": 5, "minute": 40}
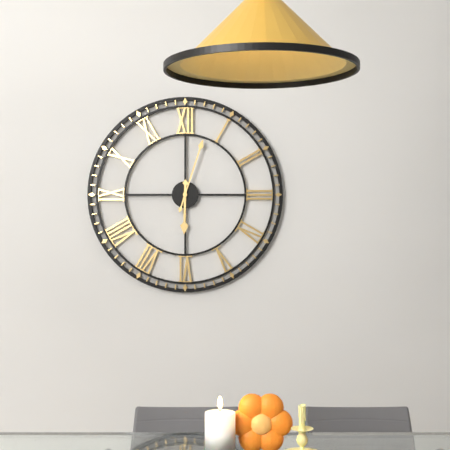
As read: {"hour": 6, "minute": 3}
